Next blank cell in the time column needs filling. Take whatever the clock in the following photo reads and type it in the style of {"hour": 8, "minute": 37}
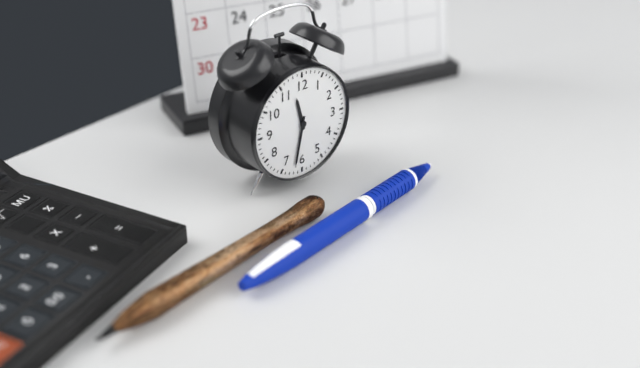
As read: {"hour": 11, "minute": 32}
